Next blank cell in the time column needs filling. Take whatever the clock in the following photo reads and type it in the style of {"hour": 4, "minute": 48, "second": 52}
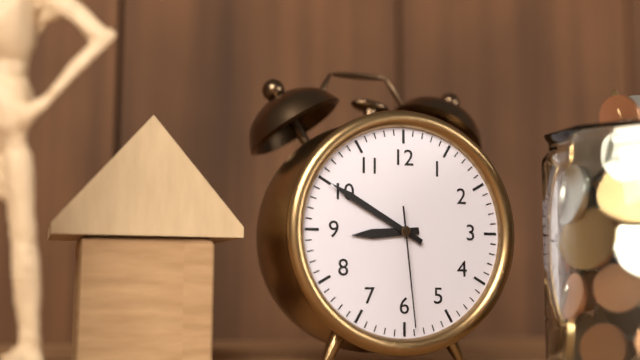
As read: {"hour": 8, "minute": 50, "second": 29}
